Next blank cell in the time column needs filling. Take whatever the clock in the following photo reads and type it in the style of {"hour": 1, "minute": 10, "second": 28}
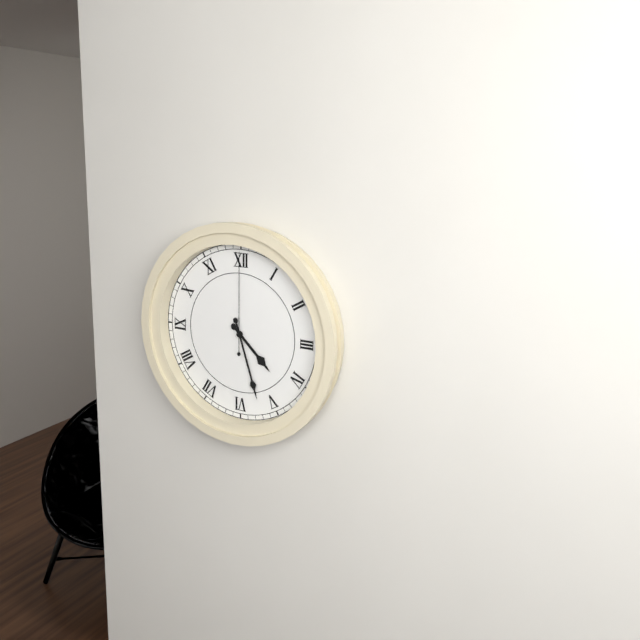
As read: {"hour": 4, "minute": 27, "second": 0}
